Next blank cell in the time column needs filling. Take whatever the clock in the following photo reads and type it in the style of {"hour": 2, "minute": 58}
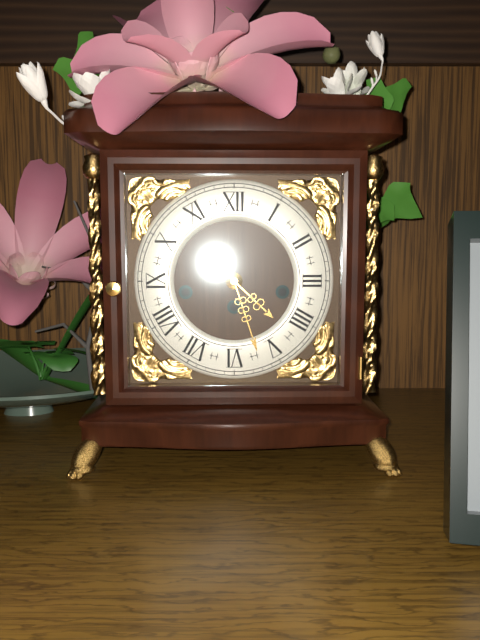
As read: {"hour": 4, "minute": 27}
